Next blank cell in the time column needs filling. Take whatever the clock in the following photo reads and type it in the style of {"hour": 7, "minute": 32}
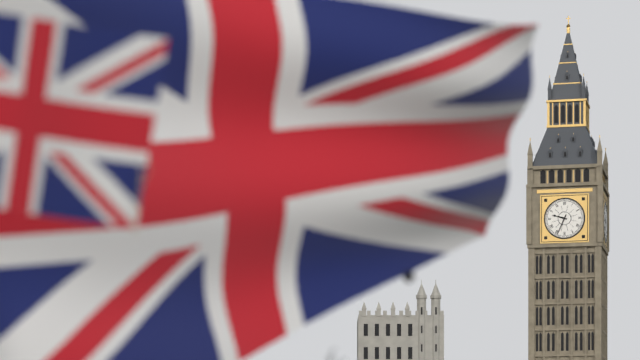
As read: {"hour": 9, "minute": 34}
